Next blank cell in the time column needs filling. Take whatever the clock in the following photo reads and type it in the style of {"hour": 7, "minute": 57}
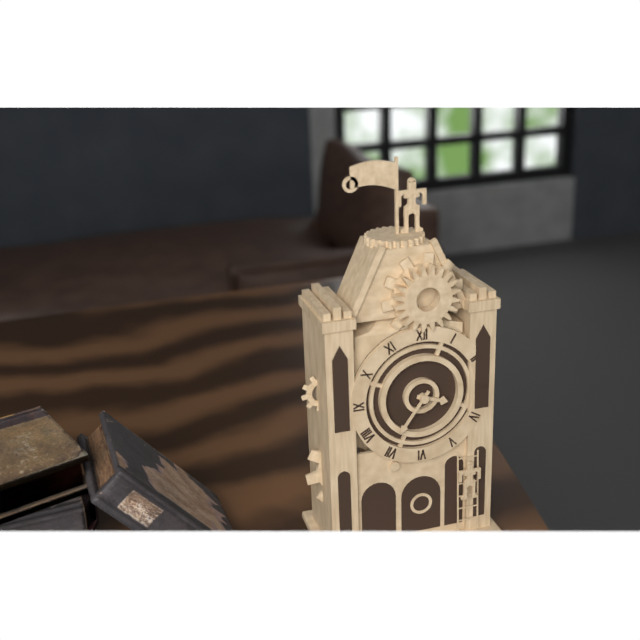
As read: {"hour": 3, "minute": 36}
